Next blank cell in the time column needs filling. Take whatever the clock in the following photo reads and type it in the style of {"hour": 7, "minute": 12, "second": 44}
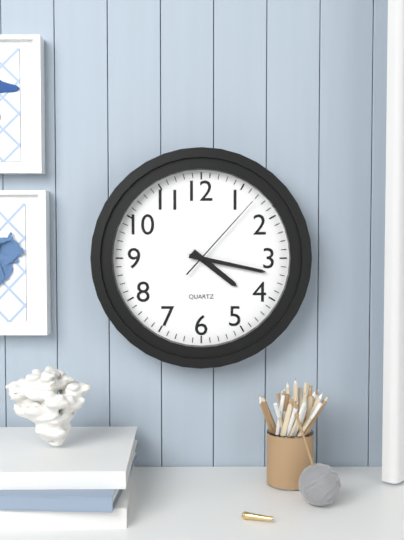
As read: {"hour": 4, "minute": 17, "second": 7}
